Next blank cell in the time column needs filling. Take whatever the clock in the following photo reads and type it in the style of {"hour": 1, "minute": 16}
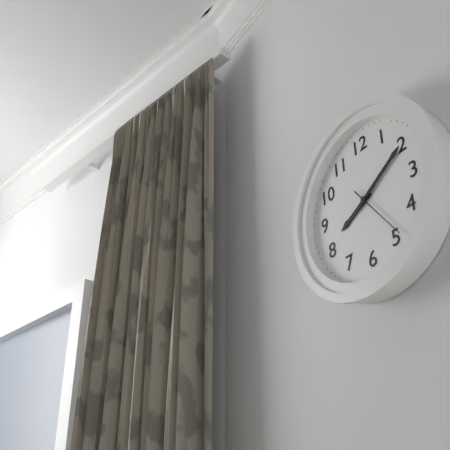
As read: {"hour": 8, "minute": 10}
